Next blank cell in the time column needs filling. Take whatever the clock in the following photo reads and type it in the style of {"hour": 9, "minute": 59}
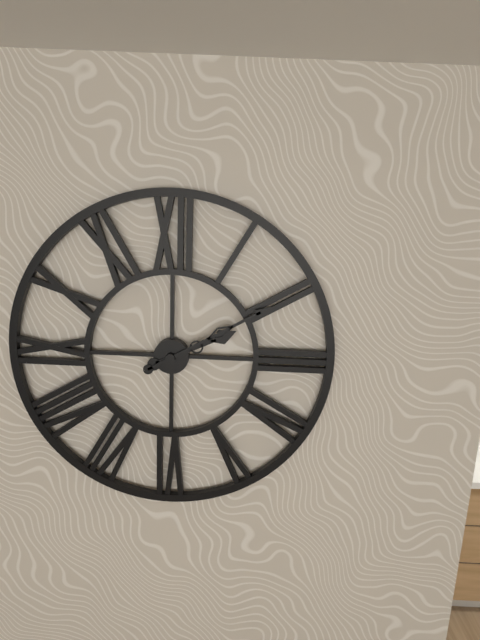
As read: {"hour": 2, "minute": 10}
